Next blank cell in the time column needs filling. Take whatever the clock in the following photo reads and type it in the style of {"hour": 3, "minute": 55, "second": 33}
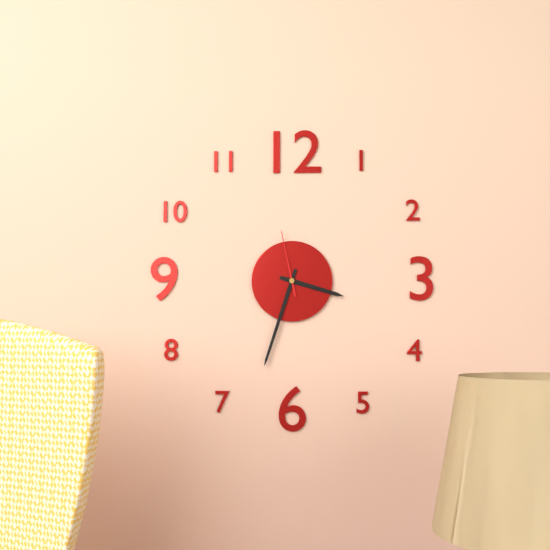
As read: {"hour": 3, "minute": 33, "second": 58}
